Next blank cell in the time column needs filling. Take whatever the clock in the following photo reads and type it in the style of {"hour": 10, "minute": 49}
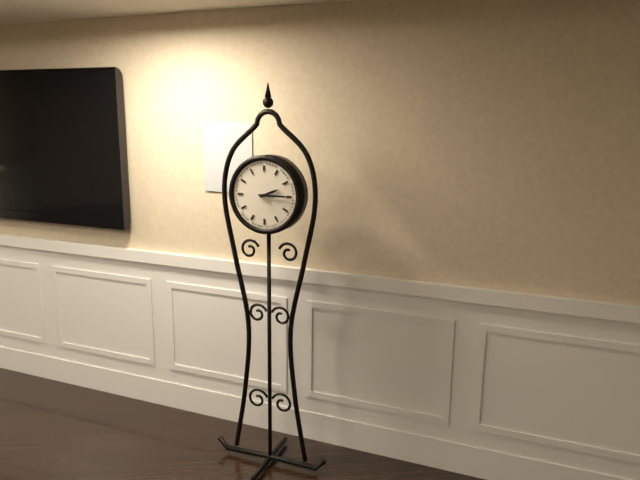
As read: {"hour": 2, "minute": 15}
